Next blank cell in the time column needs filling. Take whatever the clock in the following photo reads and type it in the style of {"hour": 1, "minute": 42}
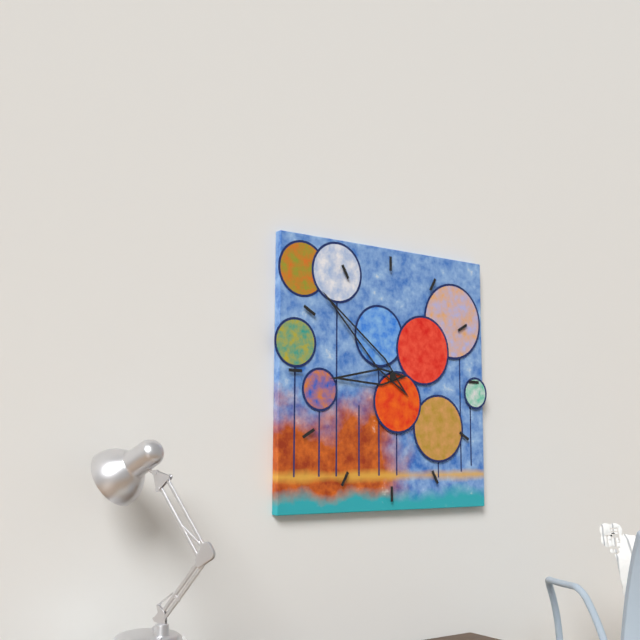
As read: {"hour": 8, "minute": 52}
